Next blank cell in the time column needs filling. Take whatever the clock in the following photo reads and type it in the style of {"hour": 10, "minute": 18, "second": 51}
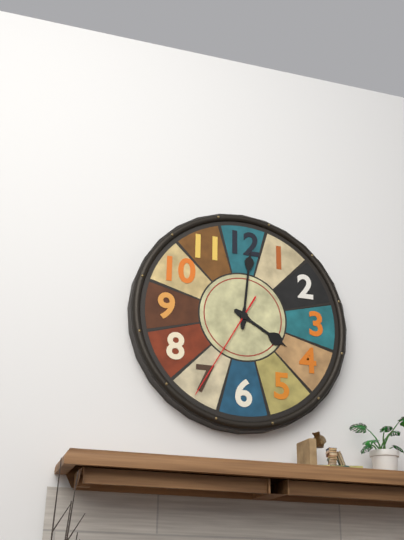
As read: {"hour": 4, "minute": 1, "second": 35}
